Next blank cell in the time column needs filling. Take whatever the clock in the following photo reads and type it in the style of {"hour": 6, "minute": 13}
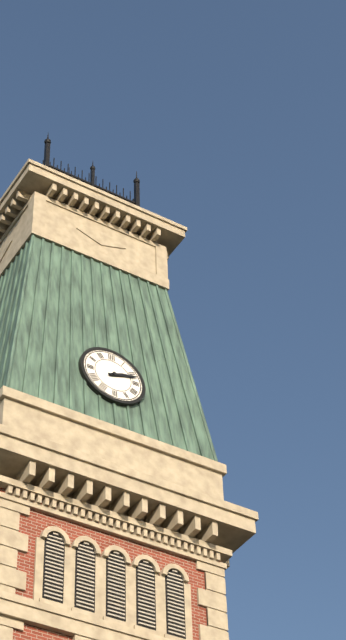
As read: {"hour": 2, "minute": 12}
